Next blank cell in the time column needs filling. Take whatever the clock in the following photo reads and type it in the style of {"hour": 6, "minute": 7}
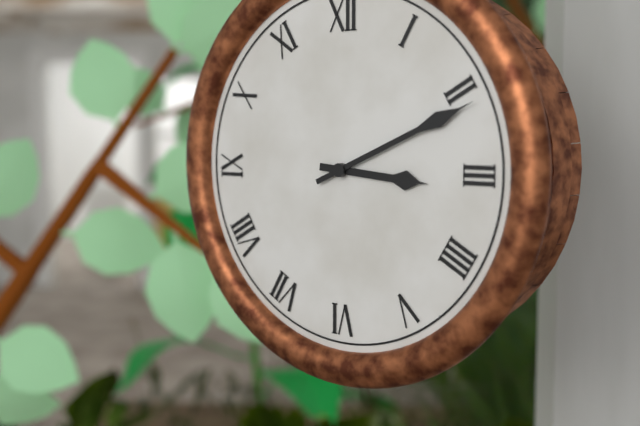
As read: {"hour": 3, "minute": 11}
